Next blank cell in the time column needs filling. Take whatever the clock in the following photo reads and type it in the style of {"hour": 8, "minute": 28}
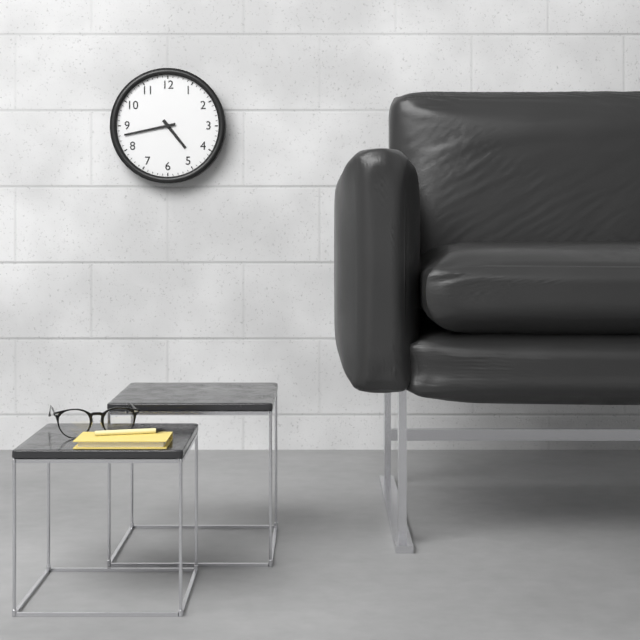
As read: {"hour": 4, "minute": 43}
